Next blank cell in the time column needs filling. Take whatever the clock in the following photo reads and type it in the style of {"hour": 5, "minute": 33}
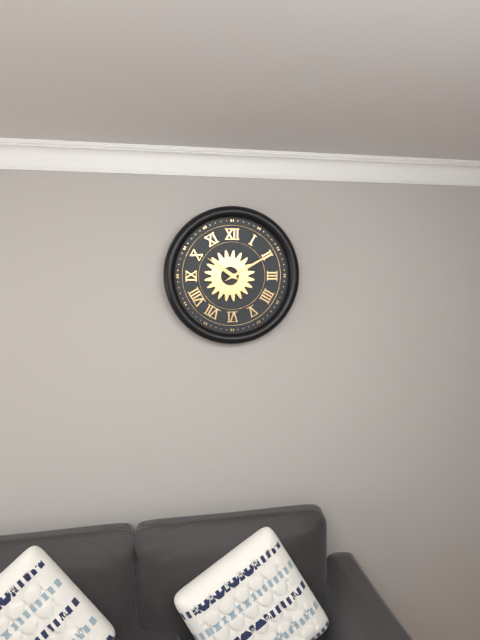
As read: {"hour": 10, "minute": 10}
